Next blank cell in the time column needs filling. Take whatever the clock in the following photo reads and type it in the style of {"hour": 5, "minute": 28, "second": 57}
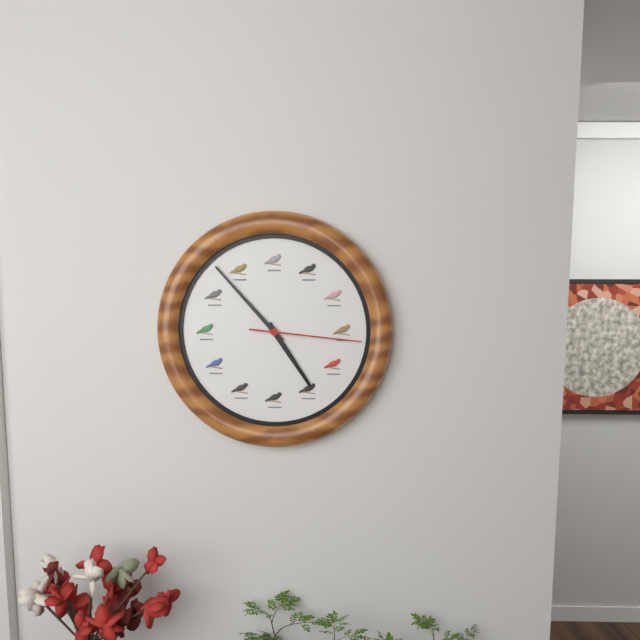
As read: {"hour": 4, "minute": 53, "second": 16}
